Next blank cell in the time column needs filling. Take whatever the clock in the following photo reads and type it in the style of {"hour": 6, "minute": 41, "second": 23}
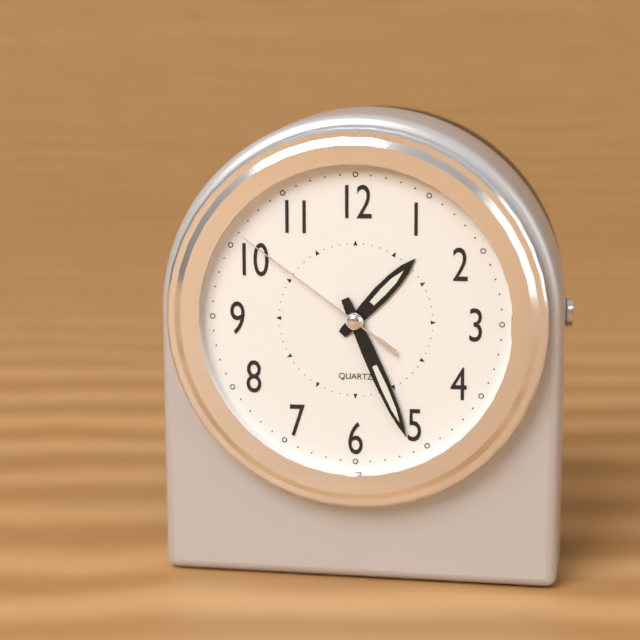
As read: {"hour": 1, "minute": 26, "second": 51}
